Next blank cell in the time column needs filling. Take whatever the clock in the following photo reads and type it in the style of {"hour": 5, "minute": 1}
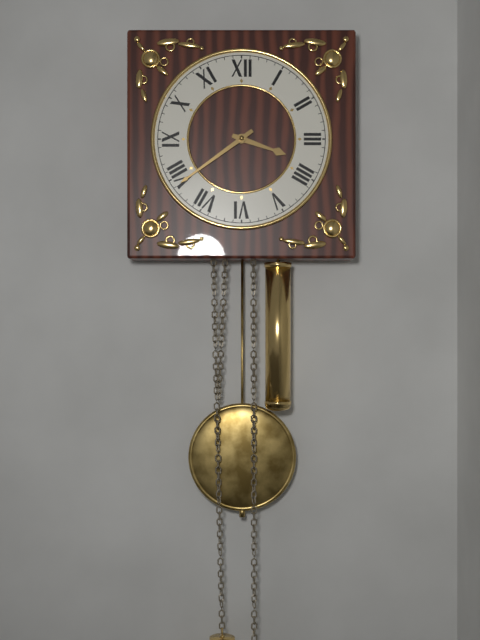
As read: {"hour": 3, "minute": 39}
